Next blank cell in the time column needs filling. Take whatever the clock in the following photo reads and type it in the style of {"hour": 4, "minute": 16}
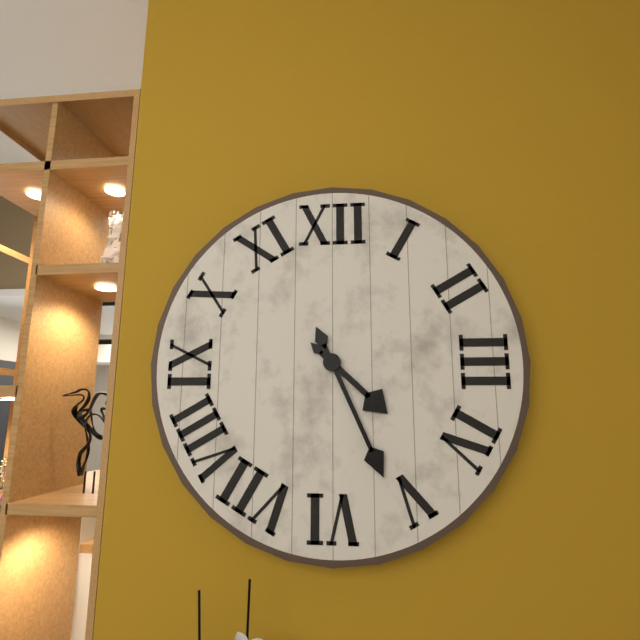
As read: {"hour": 4, "minute": 26}
